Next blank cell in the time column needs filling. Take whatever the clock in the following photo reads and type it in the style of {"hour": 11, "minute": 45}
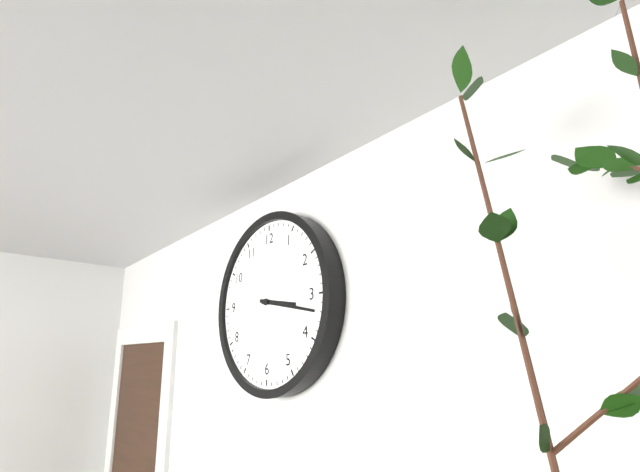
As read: {"hour": 3, "minute": 17}
